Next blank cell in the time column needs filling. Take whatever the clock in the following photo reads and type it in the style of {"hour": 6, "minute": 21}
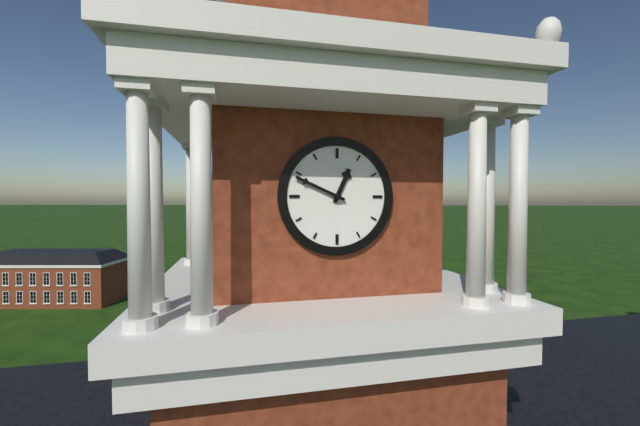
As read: {"hour": 12, "minute": 49}
